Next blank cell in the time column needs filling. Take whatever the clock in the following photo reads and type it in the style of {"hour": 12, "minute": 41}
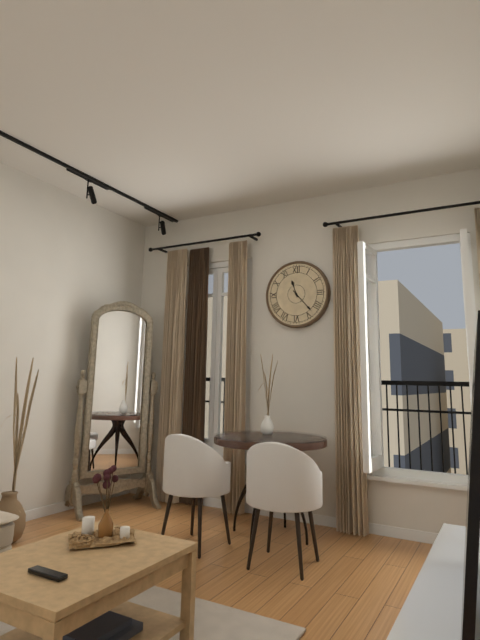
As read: {"hour": 11, "minute": 23}
